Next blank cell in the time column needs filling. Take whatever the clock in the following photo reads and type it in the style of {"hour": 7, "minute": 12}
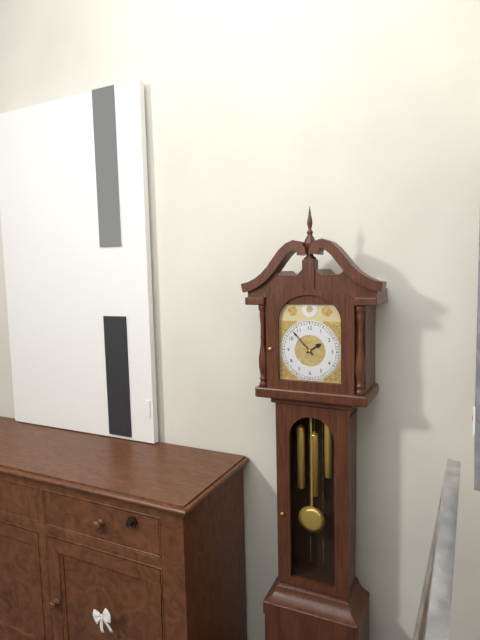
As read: {"hour": 1, "minute": 53}
